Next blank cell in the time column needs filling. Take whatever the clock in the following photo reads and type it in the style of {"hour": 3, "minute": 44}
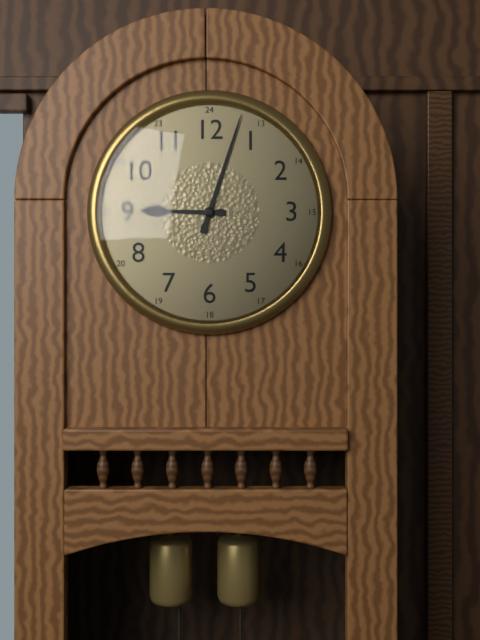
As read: {"hour": 9, "minute": 3}
